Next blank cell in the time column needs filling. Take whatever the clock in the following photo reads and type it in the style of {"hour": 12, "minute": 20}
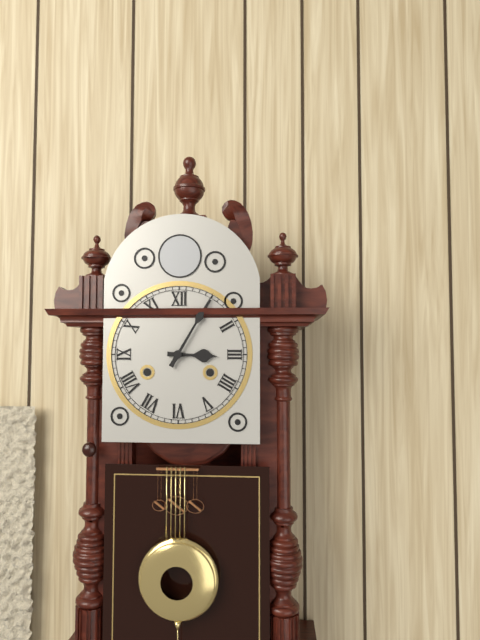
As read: {"hour": 3, "minute": 5}
